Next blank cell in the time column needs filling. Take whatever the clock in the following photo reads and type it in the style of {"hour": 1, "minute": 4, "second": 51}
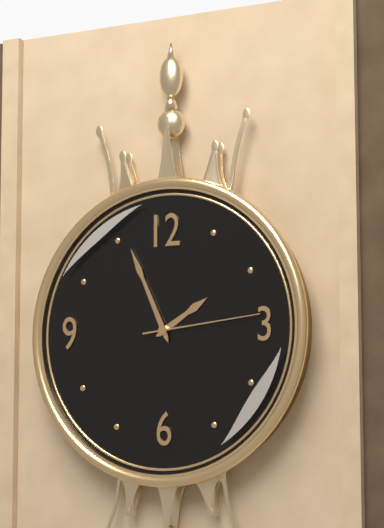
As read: {"hour": 1, "minute": 56, "second": 14}
